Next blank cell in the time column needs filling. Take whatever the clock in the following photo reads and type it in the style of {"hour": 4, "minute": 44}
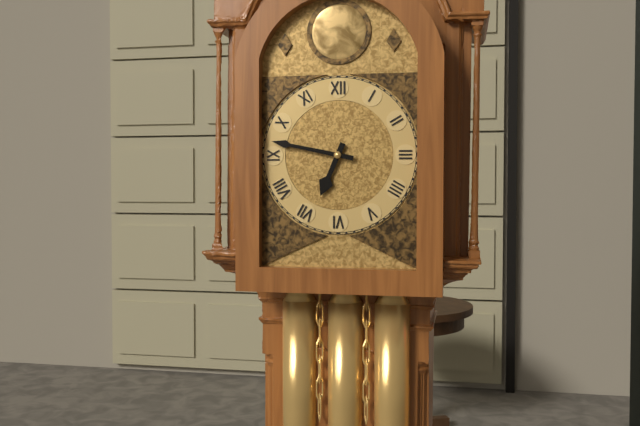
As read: {"hour": 6, "minute": 47}
